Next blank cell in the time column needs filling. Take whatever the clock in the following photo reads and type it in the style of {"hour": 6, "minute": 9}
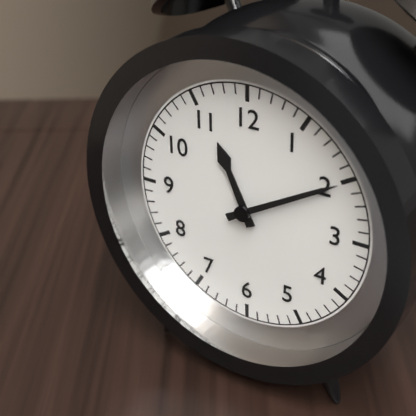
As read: {"hour": 11, "minute": 10}
